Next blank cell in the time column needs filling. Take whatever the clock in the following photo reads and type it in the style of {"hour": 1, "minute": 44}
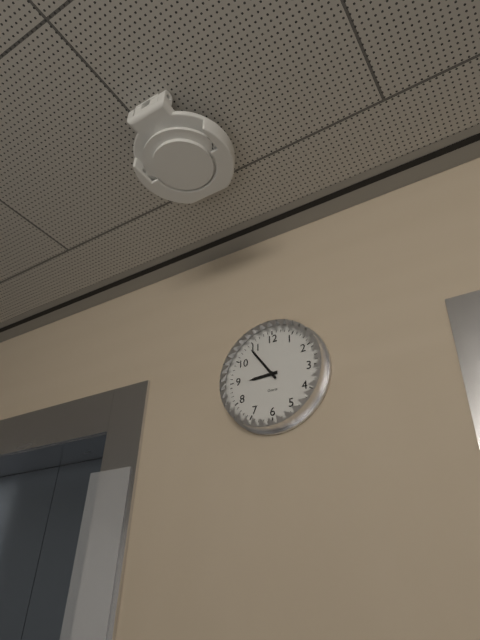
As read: {"hour": 8, "minute": 54}
